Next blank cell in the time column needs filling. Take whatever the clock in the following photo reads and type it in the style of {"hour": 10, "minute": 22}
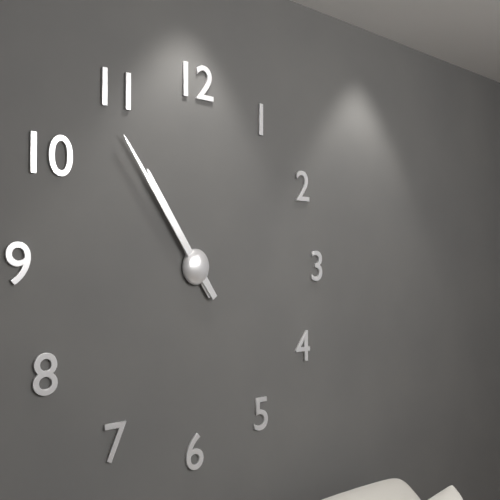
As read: {"hour": 10, "minute": 54}
